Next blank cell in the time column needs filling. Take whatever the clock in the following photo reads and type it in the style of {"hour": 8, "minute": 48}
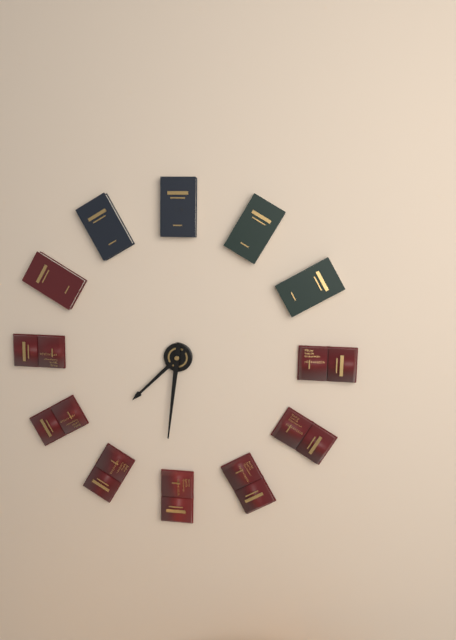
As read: {"hour": 7, "minute": 31}
